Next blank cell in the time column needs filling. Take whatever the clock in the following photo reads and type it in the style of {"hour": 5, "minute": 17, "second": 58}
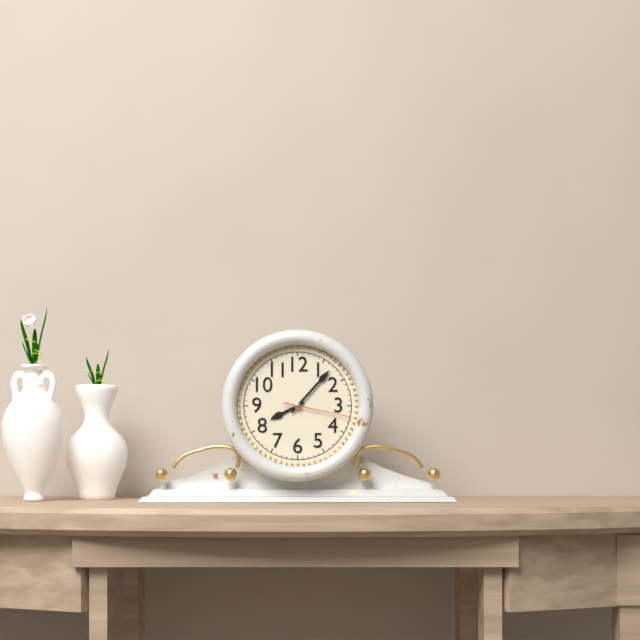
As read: {"hour": 8, "minute": 7, "second": 17}
